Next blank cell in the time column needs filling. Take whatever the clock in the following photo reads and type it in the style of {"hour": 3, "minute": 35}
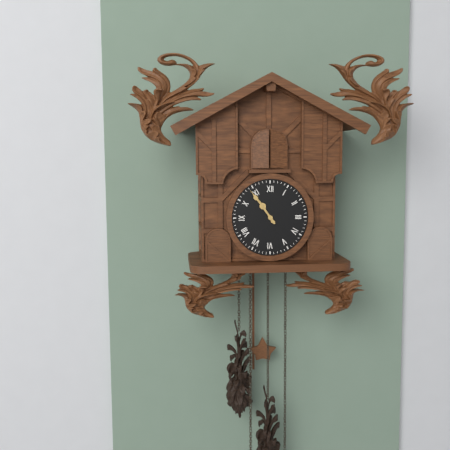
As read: {"hour": 10, "minute": 54}
